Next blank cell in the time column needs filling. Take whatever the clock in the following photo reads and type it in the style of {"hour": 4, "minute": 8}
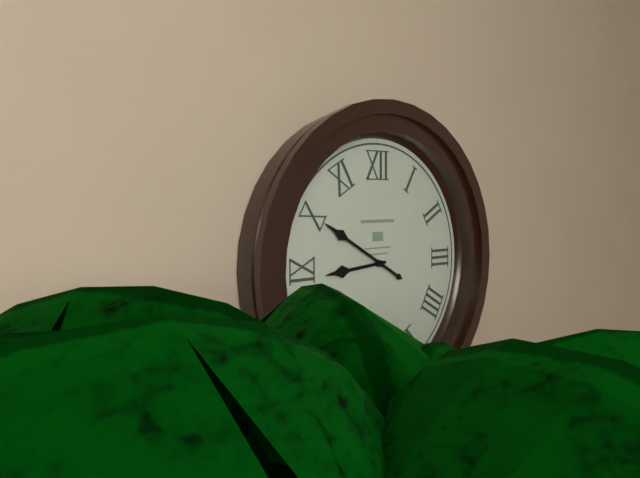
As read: {"hour": 8, "minute": 50}
